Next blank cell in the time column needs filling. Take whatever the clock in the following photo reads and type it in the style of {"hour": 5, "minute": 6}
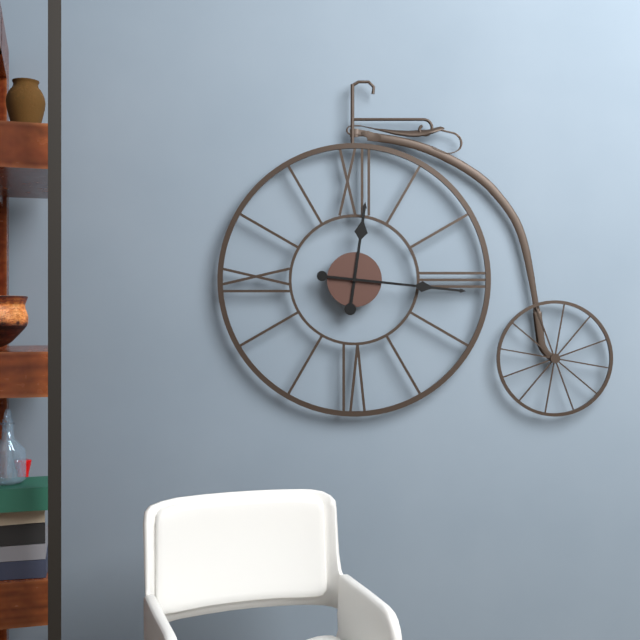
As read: {"hour": 12, "minute": 16}
